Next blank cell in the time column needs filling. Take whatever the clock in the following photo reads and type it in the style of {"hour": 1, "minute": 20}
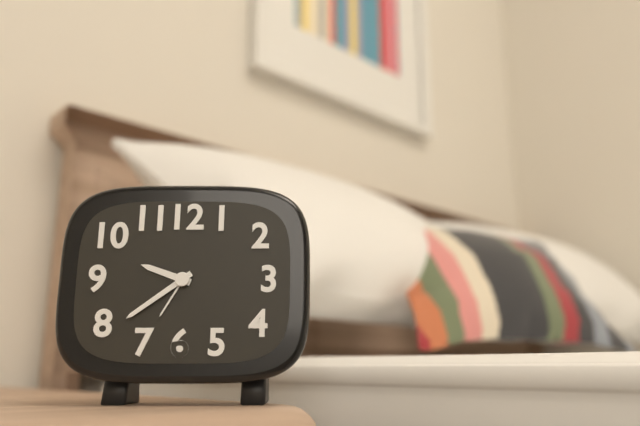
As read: {"hour": 9, "minute": 39}
